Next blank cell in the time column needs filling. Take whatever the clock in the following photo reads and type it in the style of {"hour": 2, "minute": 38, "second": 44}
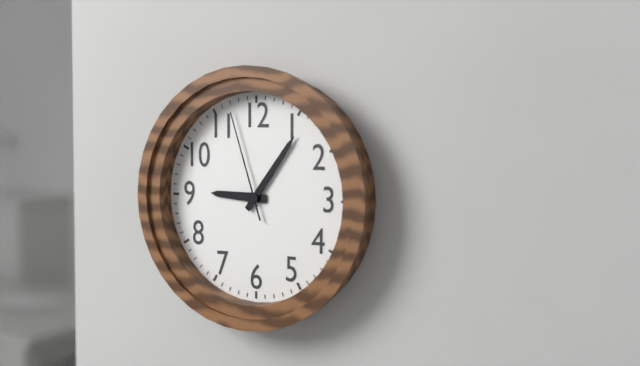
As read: {"hour": 9, "minute": 6, "second": 57}
